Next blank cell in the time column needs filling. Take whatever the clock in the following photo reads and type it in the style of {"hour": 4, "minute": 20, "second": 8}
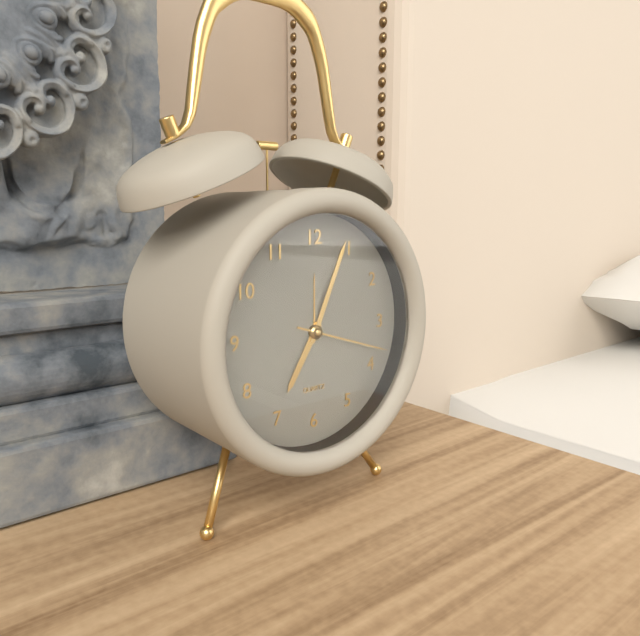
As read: {"hour": 7, "minute": 4, "second": 18}
